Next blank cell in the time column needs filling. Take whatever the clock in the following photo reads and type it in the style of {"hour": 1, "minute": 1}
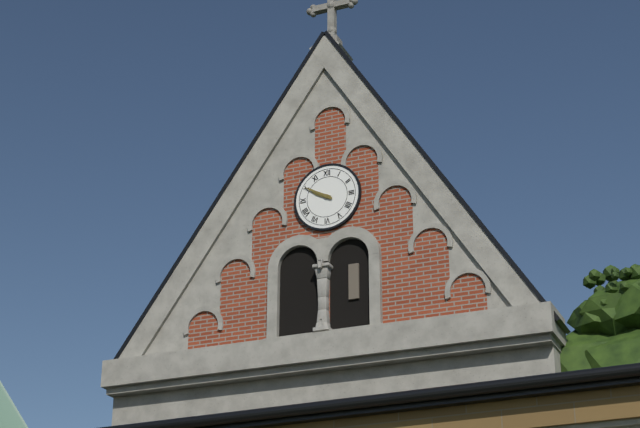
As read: {"hour": 9, "minute": 50}
